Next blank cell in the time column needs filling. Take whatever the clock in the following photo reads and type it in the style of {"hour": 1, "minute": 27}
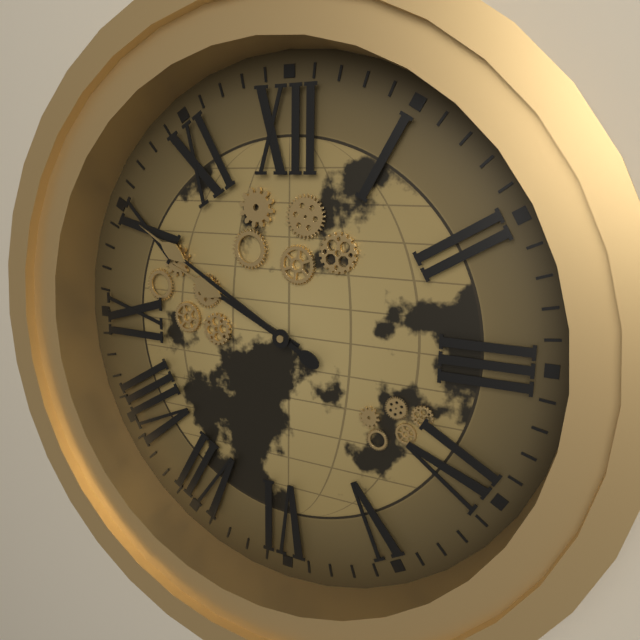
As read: {"hour": 9, "minute": 50}
